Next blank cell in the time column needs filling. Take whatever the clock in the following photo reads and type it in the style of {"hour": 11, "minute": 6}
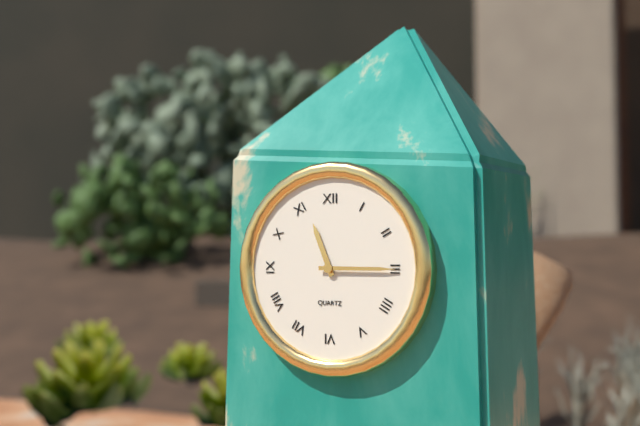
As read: {"hour": 11, "minute": 15}
